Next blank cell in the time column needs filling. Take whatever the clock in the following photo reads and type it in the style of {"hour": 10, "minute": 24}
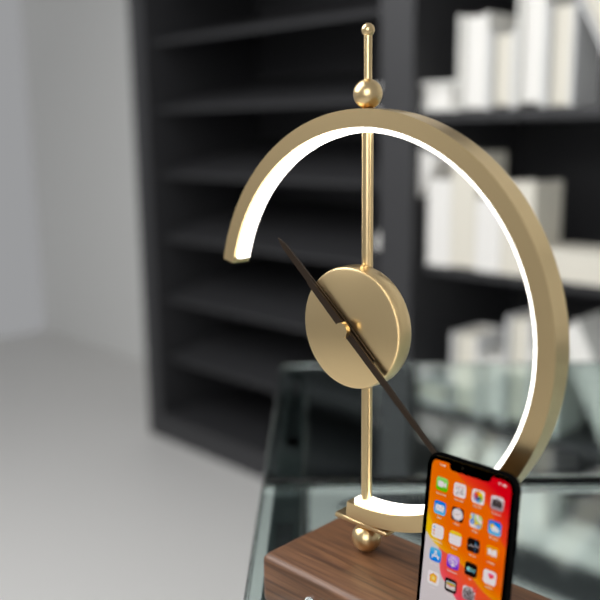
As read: {"hour": 10, "minute": 22}
